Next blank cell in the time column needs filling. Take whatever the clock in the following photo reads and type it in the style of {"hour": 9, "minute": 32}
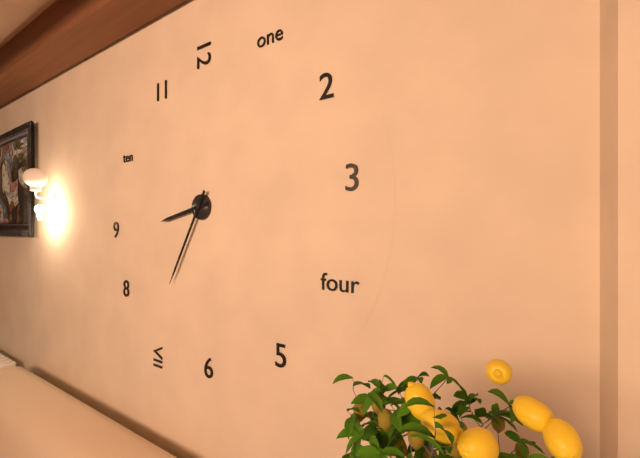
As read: {"hour": 8, "minute": 35}
